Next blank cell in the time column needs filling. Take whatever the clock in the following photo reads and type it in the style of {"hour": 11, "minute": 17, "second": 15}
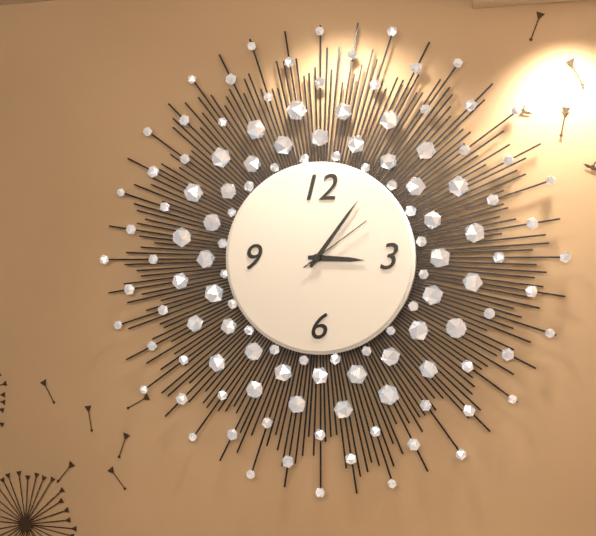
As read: {"hour": 3, "minute": 6, "second": 9}
